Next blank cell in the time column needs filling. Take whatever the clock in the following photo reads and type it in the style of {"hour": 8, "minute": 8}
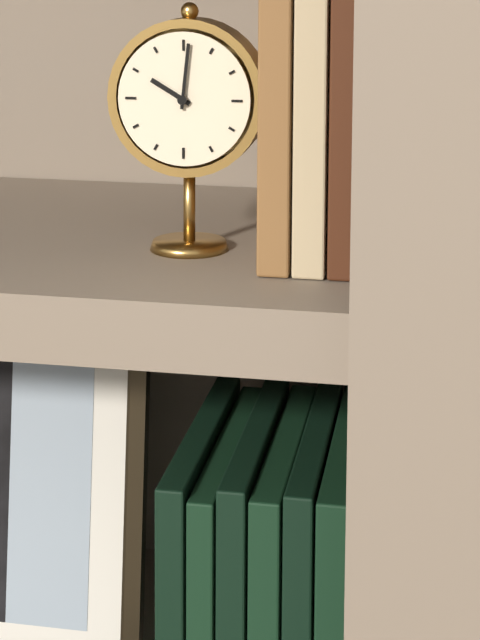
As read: {"hour": 10, "minute": 1}
